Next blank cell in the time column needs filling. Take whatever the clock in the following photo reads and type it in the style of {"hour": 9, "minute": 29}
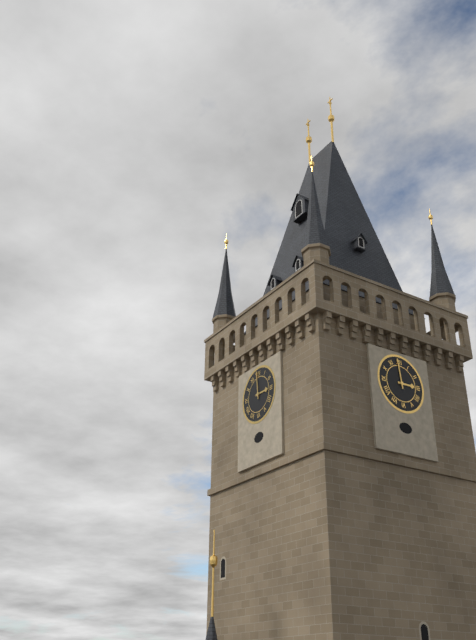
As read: {"hour": 2, "minute": 59}
